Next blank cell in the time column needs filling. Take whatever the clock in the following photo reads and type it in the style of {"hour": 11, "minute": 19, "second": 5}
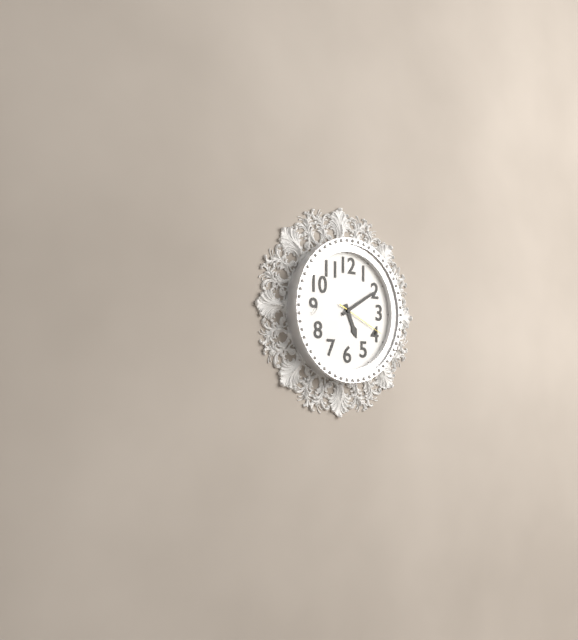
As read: {"hour": 5, "minute": 10, "second": 19}
